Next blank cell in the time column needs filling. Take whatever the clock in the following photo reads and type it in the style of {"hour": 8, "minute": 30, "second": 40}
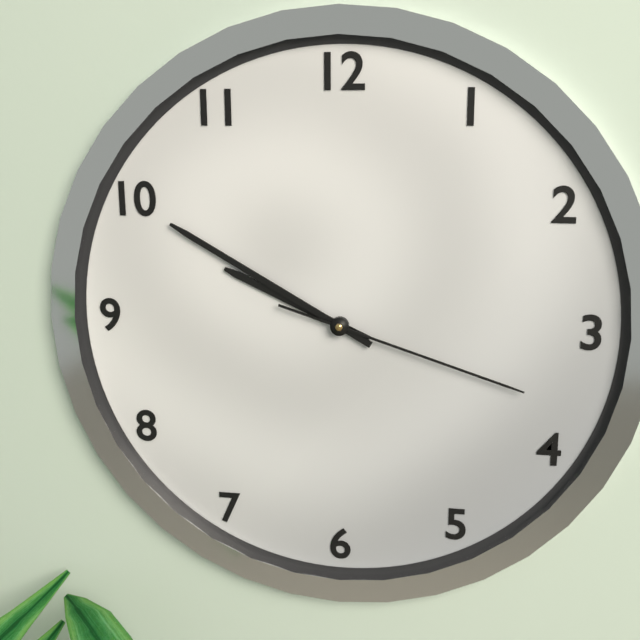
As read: {"hour": 9, "minute": 50, "second": 18}
